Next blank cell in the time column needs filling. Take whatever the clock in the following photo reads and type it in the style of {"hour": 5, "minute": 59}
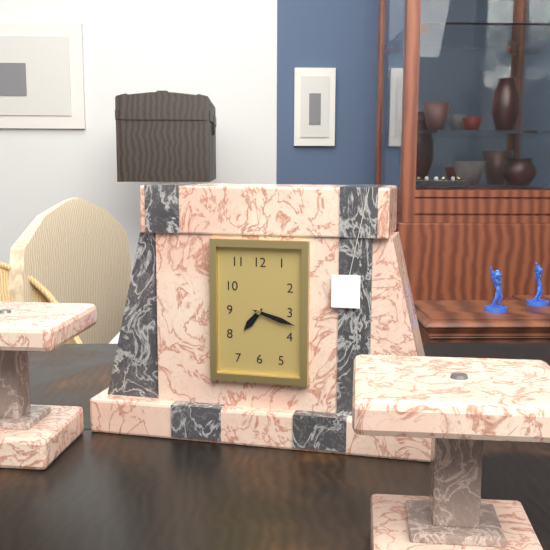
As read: {"hour": 7, "minute": 18}
